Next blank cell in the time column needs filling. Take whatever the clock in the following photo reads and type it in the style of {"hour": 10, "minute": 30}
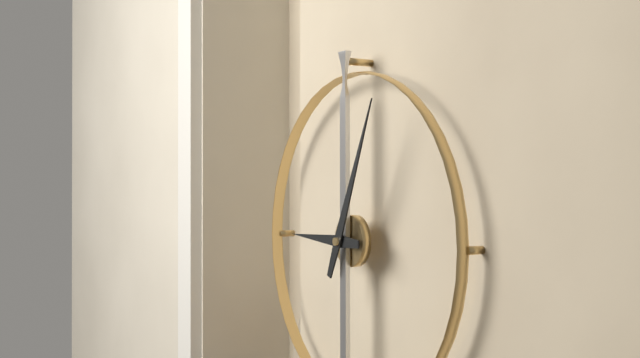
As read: {"hour": 9, "minute": 4}
